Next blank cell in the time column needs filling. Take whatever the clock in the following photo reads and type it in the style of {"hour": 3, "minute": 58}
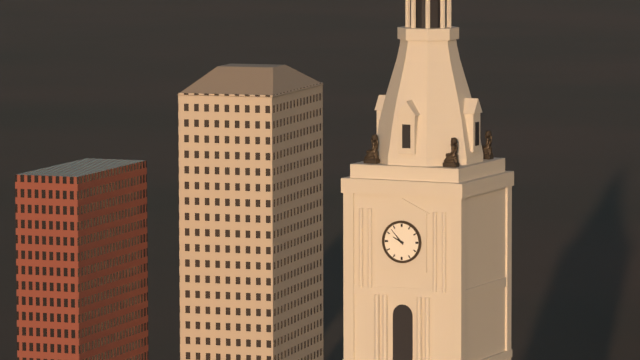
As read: {"hour": 9, "minute": 53}
